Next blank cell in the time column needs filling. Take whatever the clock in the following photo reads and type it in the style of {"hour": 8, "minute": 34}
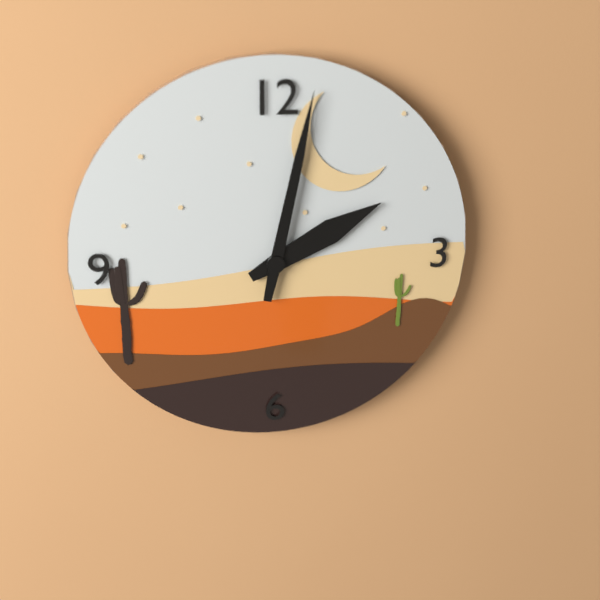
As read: {"hour": 2, "minute": 2}
